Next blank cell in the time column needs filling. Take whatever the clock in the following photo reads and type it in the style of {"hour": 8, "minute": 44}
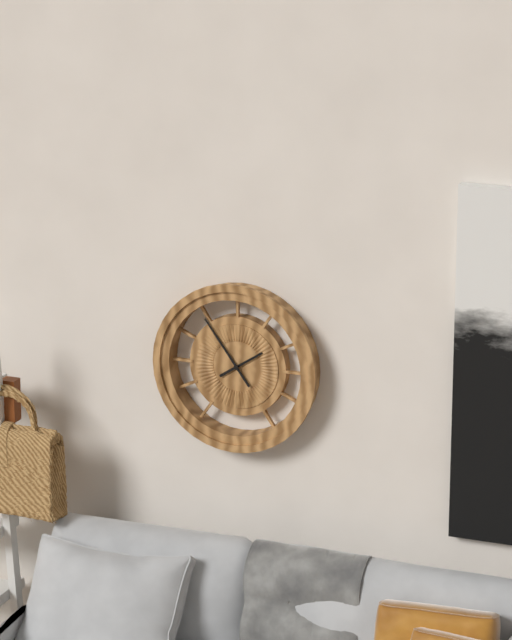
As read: {"hour": 1, "minute": 54}
